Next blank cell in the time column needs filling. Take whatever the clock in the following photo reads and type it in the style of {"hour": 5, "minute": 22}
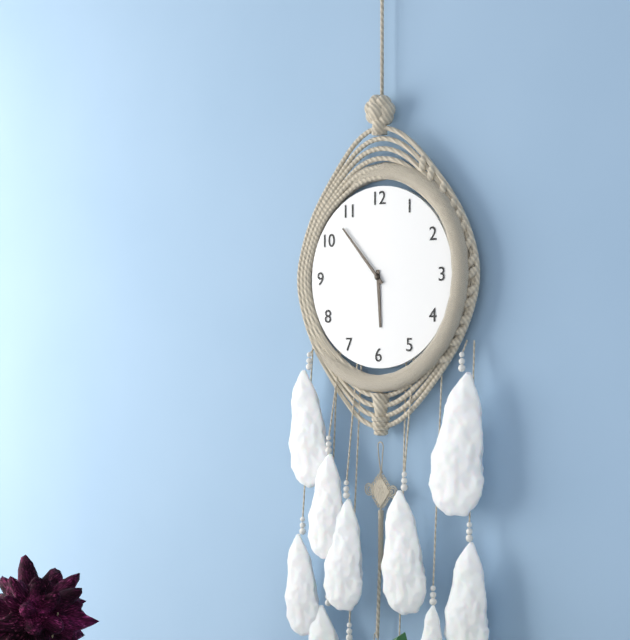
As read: {"hour": 5, "minute": 53}
